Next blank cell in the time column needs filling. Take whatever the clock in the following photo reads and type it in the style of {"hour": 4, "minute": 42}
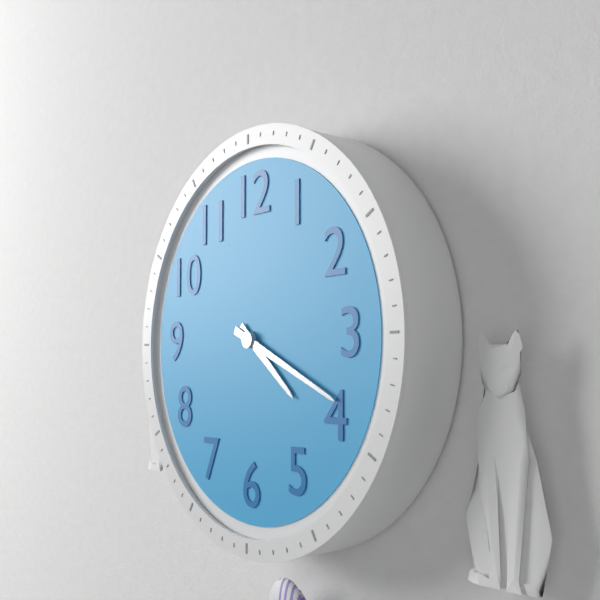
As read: {"hour": 4, "minute": 19}
